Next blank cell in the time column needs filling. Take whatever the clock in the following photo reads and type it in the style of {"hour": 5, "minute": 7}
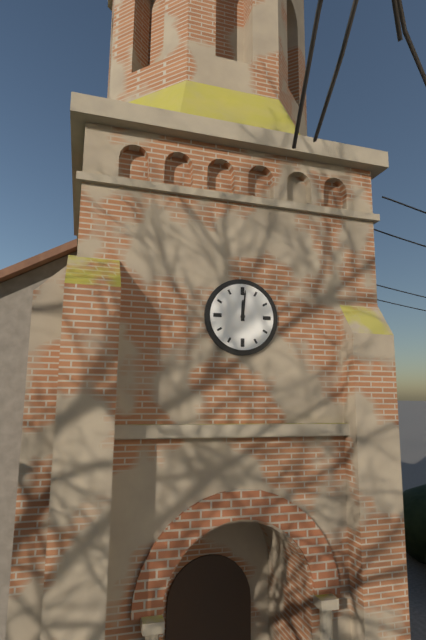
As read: {"hour": 12, "minute": 1}
